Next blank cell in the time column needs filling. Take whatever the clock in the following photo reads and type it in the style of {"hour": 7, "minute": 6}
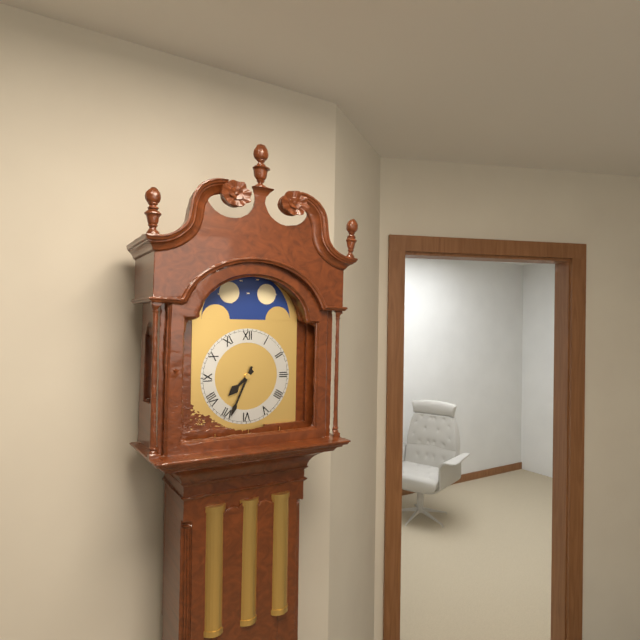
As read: {"hour": 7, "minute": 34}
